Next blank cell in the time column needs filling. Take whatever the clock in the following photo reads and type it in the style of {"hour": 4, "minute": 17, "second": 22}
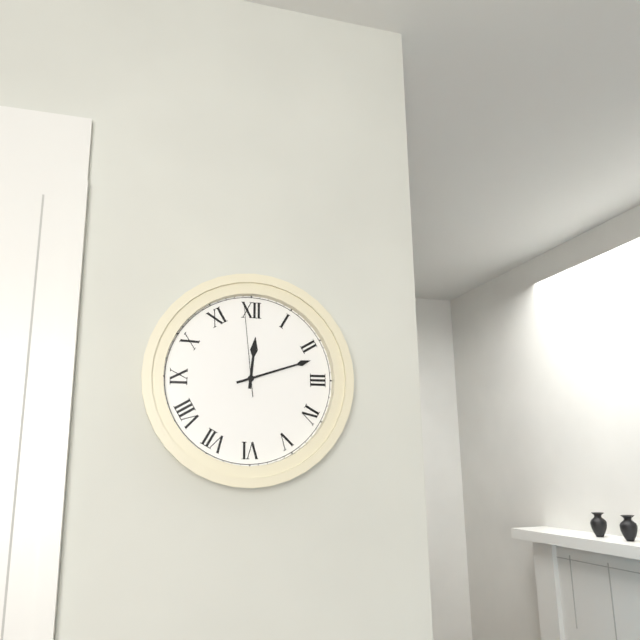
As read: {"hour": 12, "minute": 12, "second": 59}
